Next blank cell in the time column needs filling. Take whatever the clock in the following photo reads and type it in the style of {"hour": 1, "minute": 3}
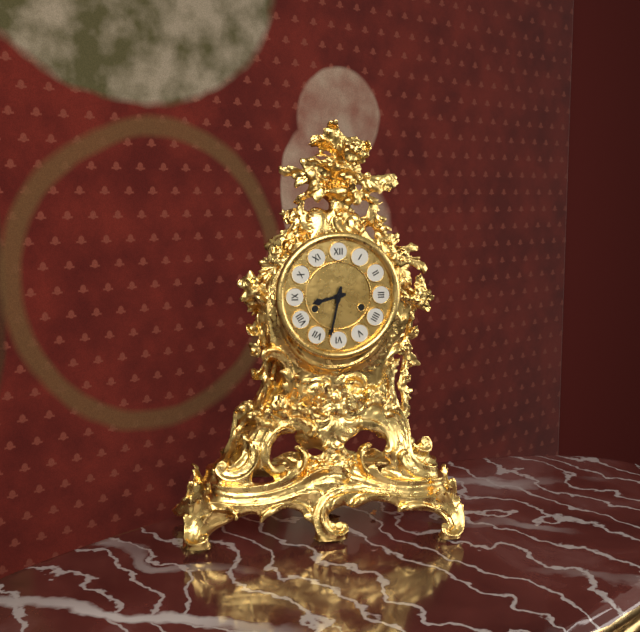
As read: {"hour": 8, "minute": 32}
